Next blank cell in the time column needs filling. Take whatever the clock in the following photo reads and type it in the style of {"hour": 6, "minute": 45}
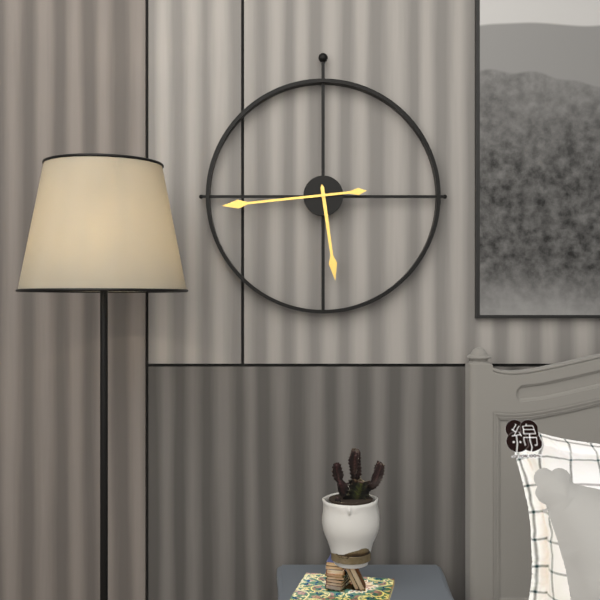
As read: {"hour": 5, "minute": 44}
